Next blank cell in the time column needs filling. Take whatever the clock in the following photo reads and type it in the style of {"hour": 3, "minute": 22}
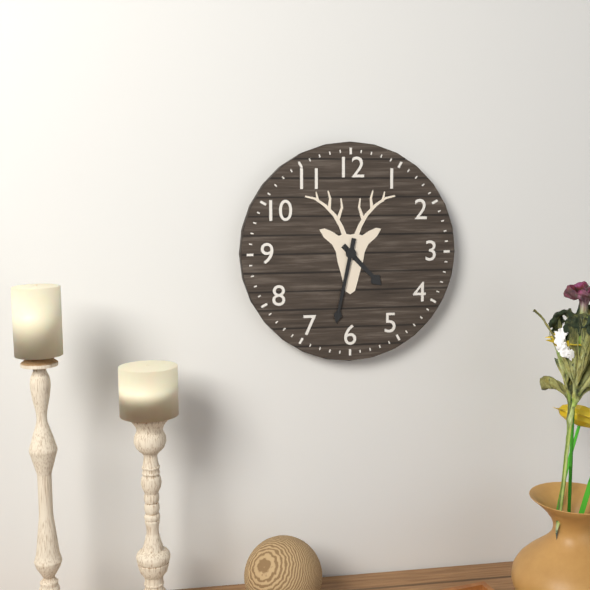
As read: {"hour": 4, "minute": 32}
